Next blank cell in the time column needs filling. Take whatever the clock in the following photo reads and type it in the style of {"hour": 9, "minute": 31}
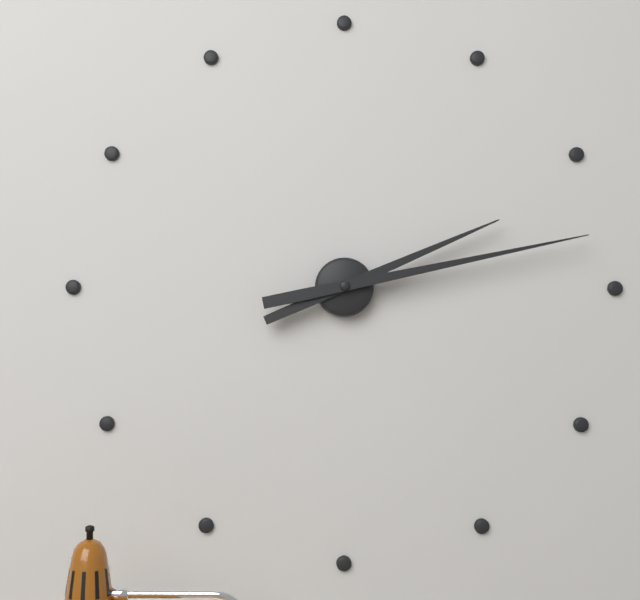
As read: {"hour": 2, "minute": 13}
